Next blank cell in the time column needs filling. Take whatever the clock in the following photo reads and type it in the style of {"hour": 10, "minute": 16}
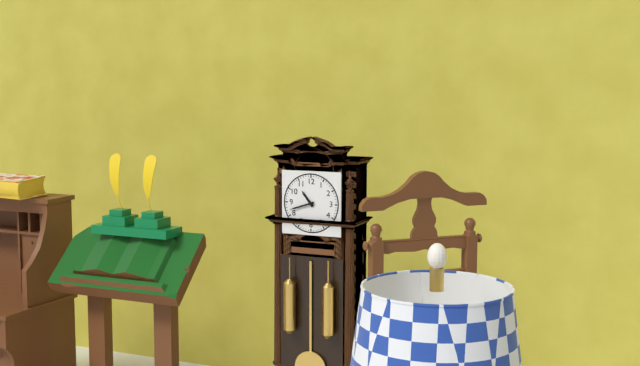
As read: {"hour": 10, "minute": 42}
